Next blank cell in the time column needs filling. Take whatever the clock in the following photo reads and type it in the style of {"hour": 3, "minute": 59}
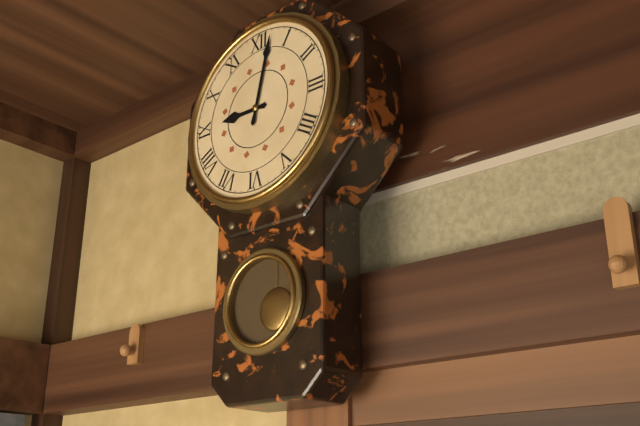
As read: {"hour": 9, "minute": 2}
